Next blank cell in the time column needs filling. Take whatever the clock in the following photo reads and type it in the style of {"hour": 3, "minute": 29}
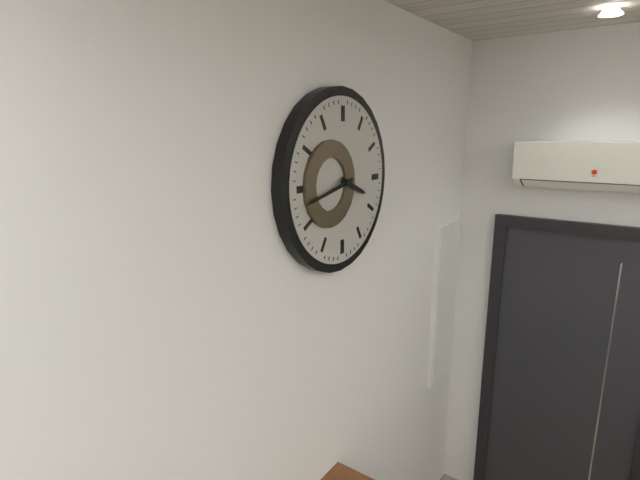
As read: {"hour": 3, "minute": 43}
